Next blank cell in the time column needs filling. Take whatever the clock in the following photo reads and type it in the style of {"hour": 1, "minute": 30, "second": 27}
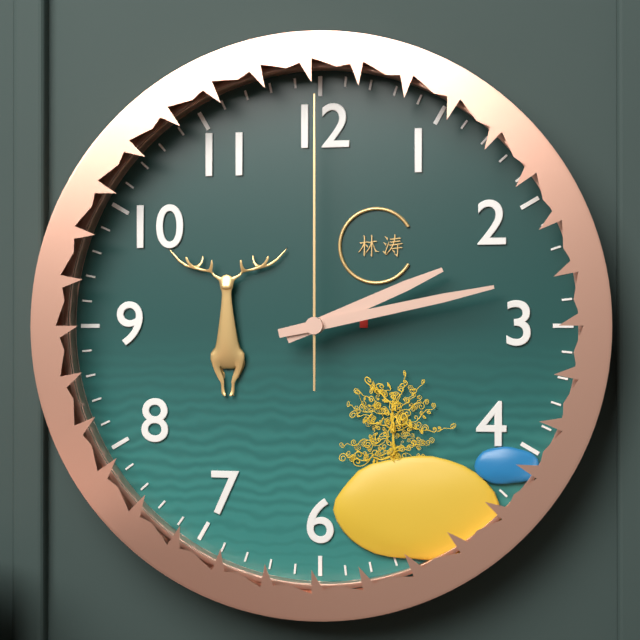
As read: {"hour": 2, "minute": 13, "second": 0}
